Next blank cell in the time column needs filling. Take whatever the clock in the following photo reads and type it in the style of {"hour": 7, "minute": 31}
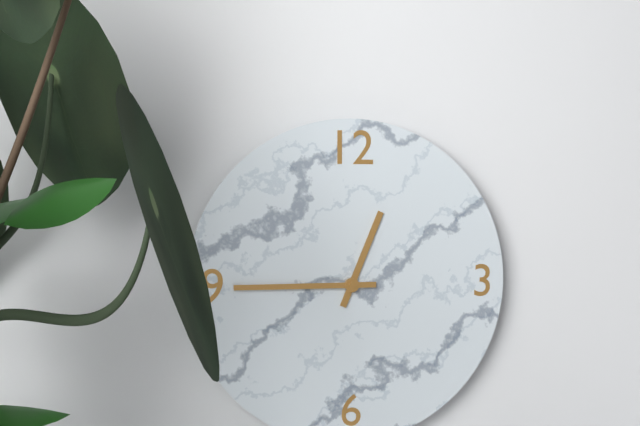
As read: {"hour": 12, "minute": 45}
